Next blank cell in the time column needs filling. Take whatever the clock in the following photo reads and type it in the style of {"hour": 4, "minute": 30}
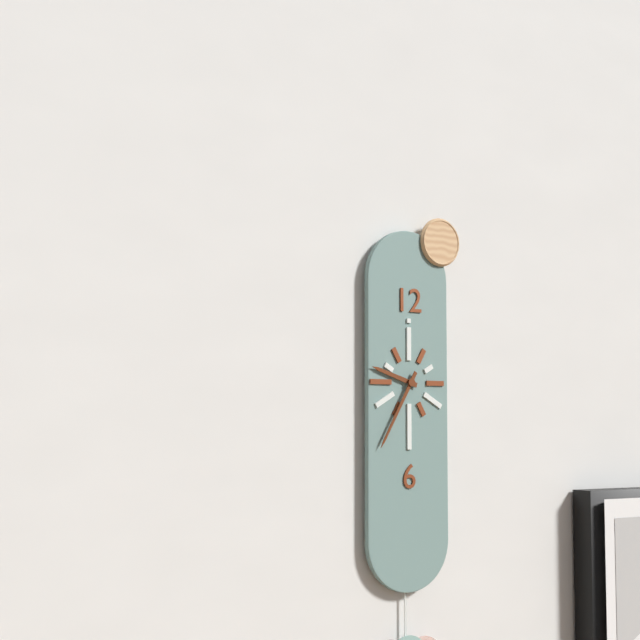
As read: {"hour": 9, "minute": 35}
